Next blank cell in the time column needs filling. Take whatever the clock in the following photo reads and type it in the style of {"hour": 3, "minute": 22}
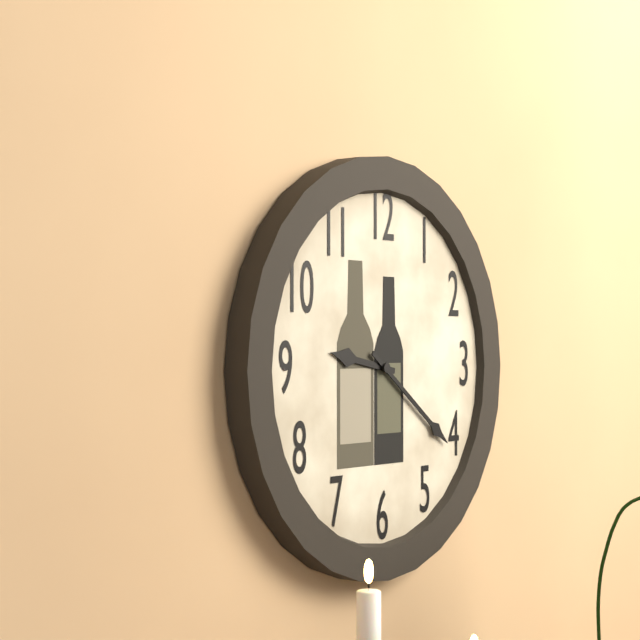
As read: {"hour": 9, "minute": 21}
